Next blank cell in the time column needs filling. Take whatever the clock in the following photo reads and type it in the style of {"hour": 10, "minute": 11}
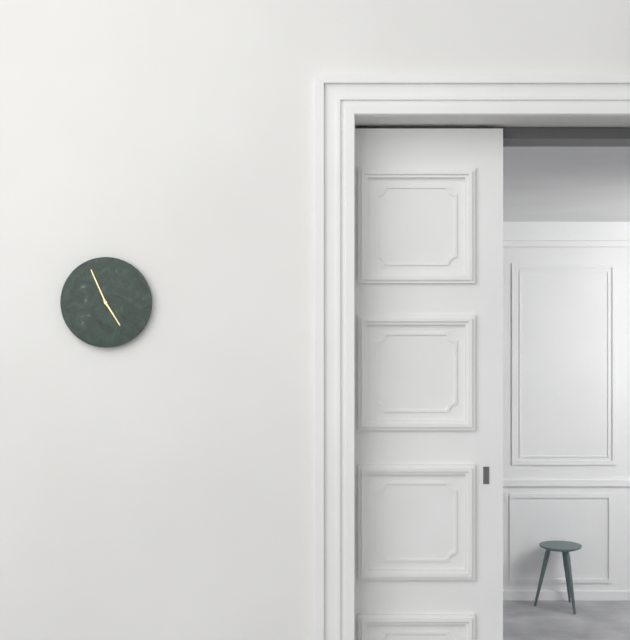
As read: {"hour": 4, "minute": 56}
